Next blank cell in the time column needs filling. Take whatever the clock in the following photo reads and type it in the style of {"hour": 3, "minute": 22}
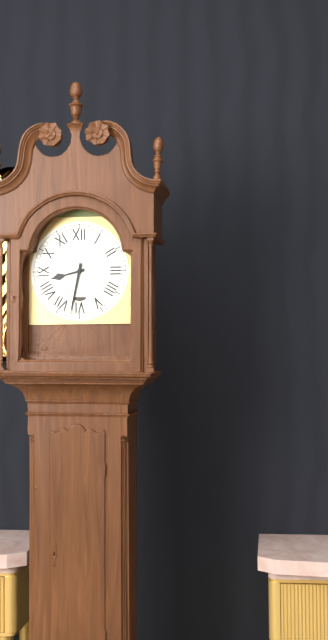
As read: {"hour": 8, "minute": 32}
